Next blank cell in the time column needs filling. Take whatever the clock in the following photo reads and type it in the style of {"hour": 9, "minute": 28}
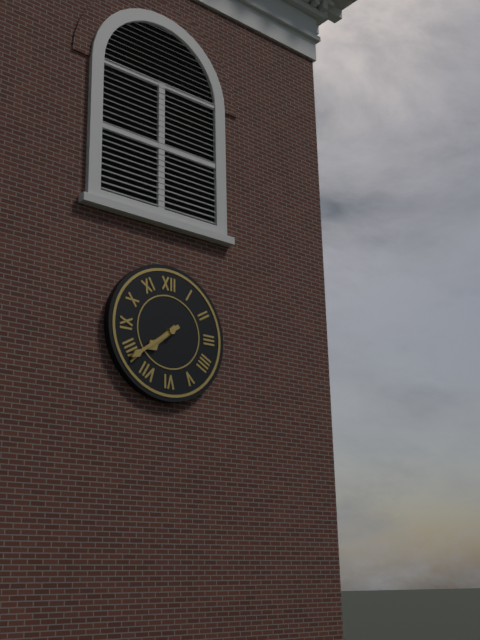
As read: {"hour": 7, "minute": 39}
